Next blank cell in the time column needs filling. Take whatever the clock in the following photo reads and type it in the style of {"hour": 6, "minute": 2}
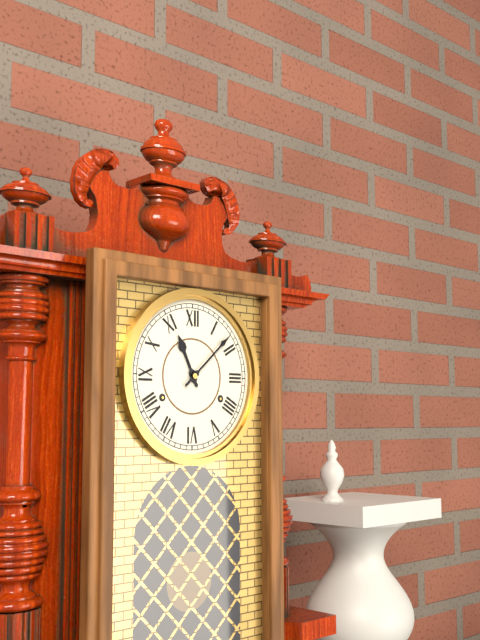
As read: {"hour": 11, "minute": 8}
